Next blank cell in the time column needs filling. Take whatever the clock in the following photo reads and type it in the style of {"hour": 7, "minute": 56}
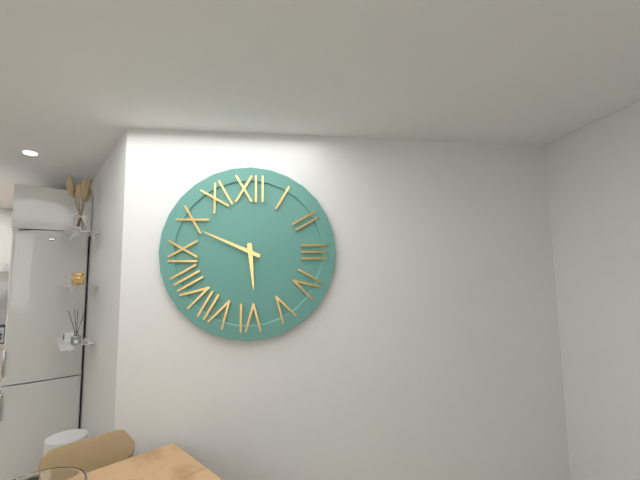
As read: {"hour": 5, "minute": 49}
